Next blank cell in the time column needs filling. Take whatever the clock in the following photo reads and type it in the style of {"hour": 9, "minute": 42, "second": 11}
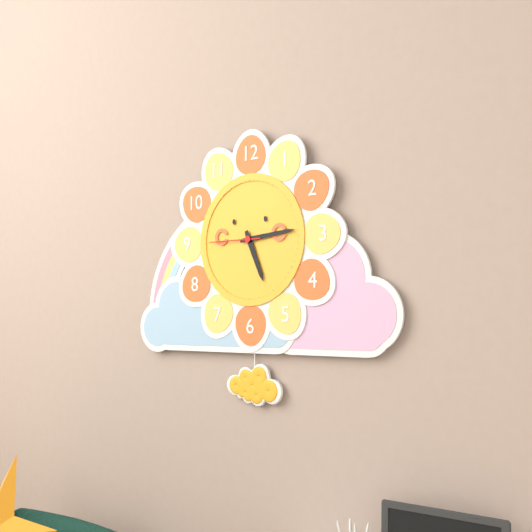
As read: {"hour": 5, "minute": 14, "second": 45}
